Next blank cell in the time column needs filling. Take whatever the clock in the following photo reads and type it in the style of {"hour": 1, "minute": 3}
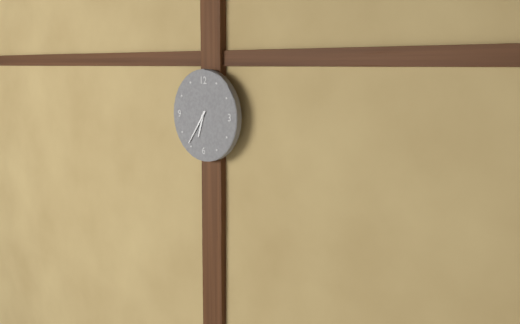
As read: {"hour": 6, "minute": 36}
